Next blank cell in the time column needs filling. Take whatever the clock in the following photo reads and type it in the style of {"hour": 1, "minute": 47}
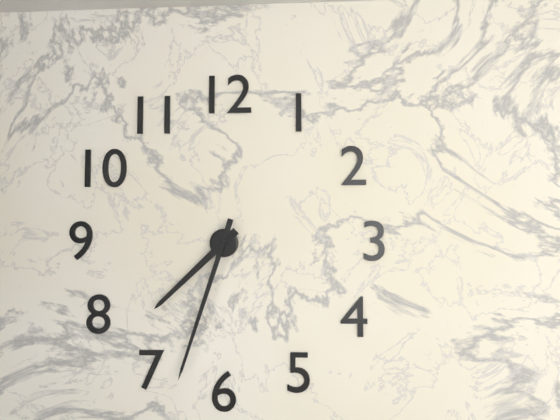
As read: {"hour": 7, "minute": 33}
